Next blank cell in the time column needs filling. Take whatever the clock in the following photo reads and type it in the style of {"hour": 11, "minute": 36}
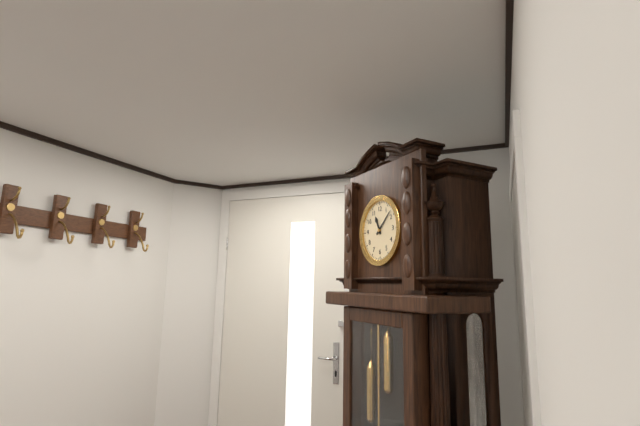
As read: {"hour": 11, "minute": 8}
